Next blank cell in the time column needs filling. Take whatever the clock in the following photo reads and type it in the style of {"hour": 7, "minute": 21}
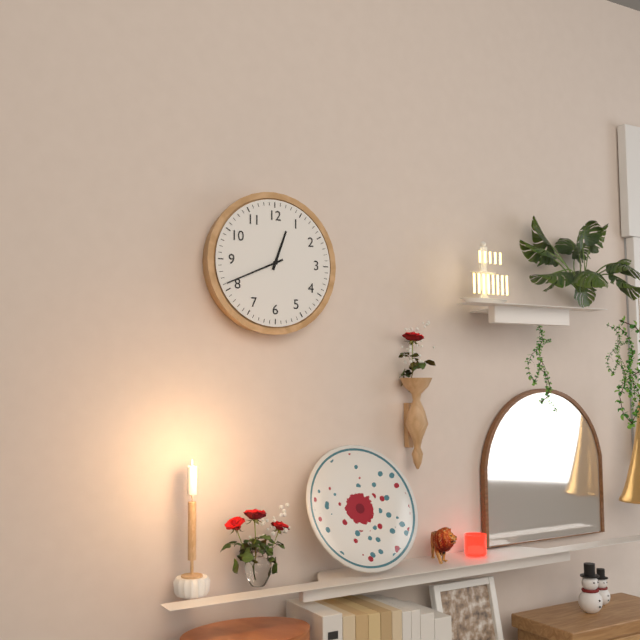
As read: {"hour": 12, "minute": 41}
